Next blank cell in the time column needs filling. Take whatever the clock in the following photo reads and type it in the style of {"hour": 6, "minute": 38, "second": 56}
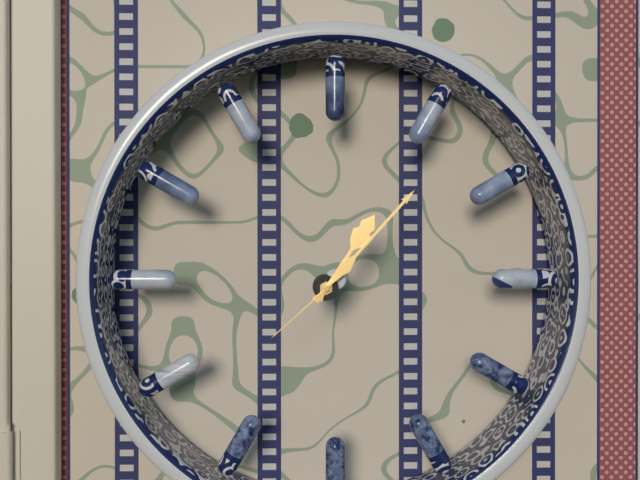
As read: {"hour": 1, "minute": 7, "second": 38}
